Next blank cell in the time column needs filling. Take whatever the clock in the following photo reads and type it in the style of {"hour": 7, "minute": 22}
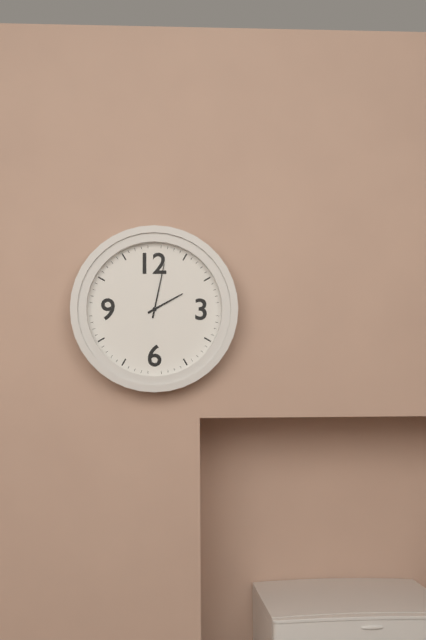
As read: {"hour": 2, "minute": 2}
